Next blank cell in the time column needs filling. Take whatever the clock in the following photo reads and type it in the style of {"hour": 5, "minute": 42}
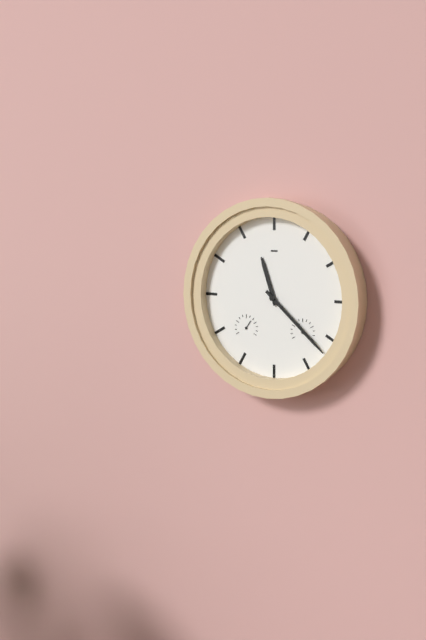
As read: {"hour": 11, "minute": 22}
